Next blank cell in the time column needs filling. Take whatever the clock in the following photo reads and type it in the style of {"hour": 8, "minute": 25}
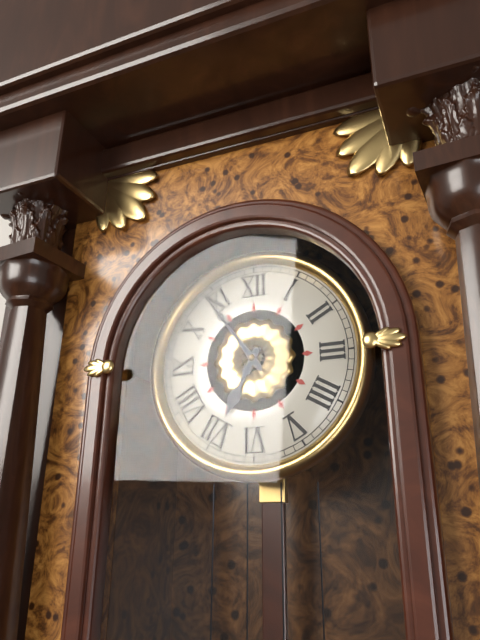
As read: {"hour": 6, "minute": 54}
